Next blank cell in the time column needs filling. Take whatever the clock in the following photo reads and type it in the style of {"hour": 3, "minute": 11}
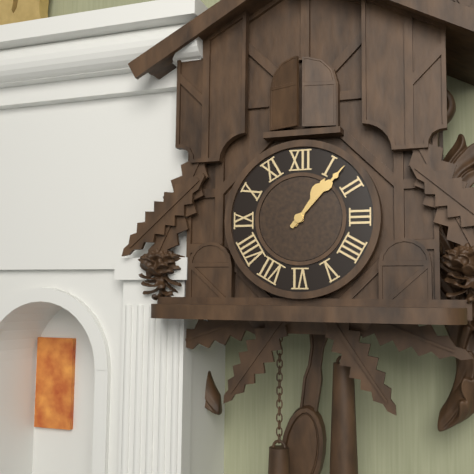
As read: {"hour": 1, "minute": 7}
